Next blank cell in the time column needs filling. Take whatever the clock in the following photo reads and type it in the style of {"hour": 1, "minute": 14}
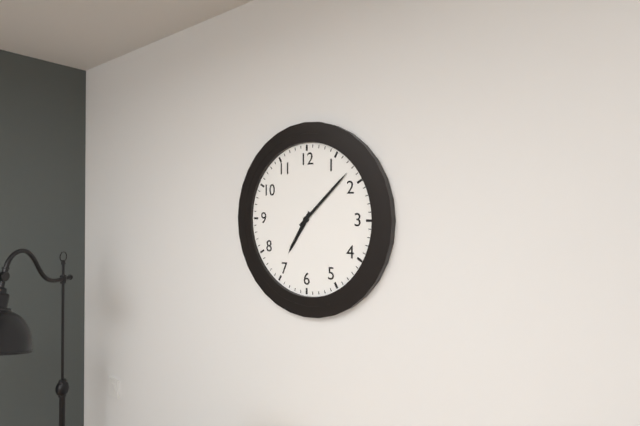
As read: {"hour": 7, "minute": 8}
